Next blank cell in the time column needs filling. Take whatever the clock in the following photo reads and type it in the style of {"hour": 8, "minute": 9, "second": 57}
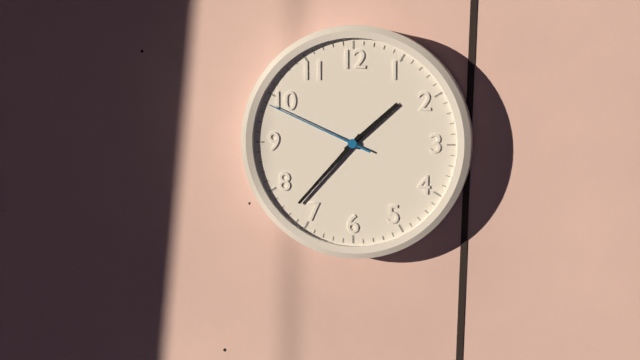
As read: {"hour": 1, "minute": 37, "second": 49}
